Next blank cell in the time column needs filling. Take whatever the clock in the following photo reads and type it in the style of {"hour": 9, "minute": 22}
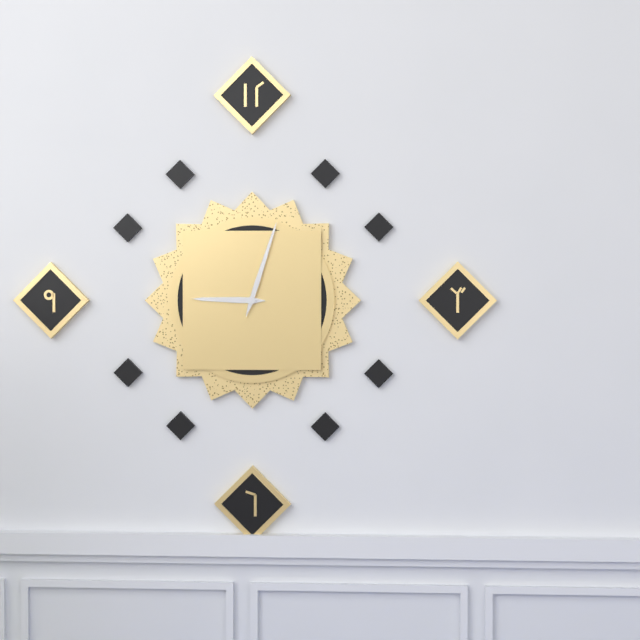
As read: {"hour": 9, "minute": 3}
